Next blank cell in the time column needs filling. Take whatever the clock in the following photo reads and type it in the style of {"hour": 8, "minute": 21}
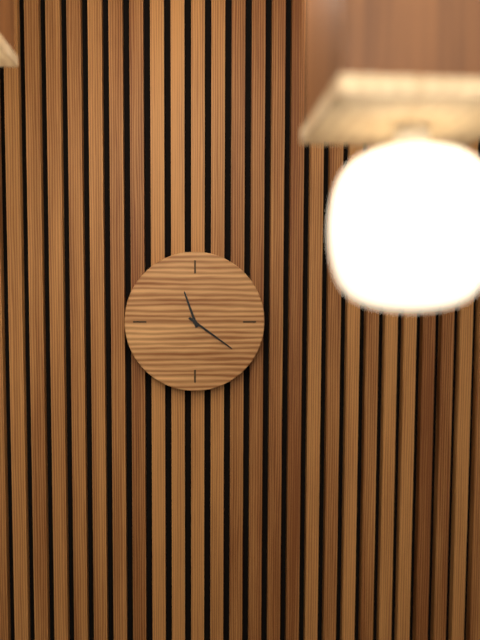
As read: {"hour": 11, "minute": 21}
